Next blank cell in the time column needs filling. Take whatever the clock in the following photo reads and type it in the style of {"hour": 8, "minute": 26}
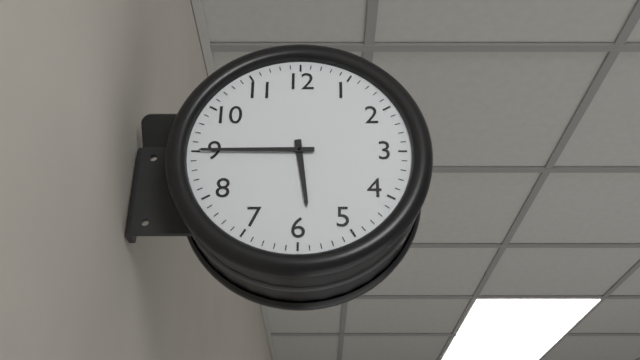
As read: {"hour": 5, "minute": 45}
